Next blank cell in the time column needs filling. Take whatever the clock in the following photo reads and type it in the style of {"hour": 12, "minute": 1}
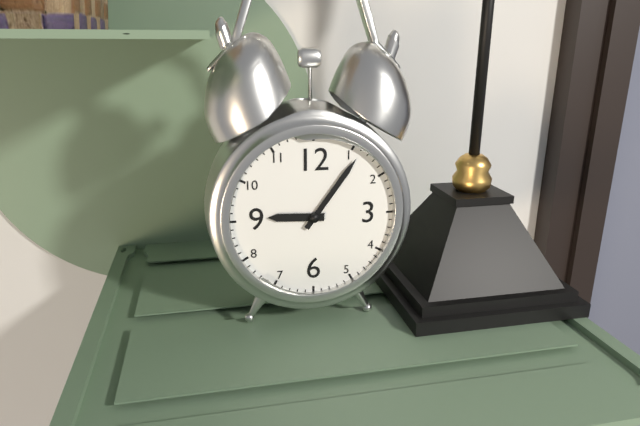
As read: {"hour": 9, "minute": 6}
